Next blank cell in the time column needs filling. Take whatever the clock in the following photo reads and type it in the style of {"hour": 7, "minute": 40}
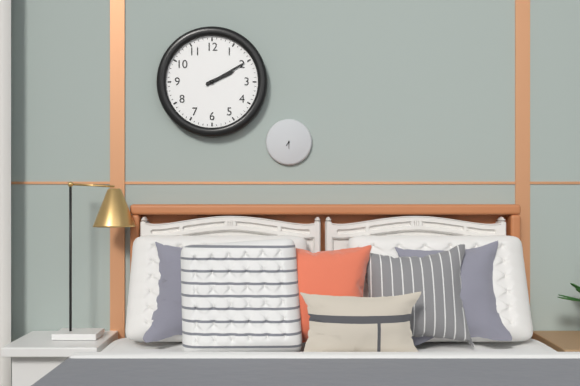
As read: {"hour": 2, "minute": 10}
